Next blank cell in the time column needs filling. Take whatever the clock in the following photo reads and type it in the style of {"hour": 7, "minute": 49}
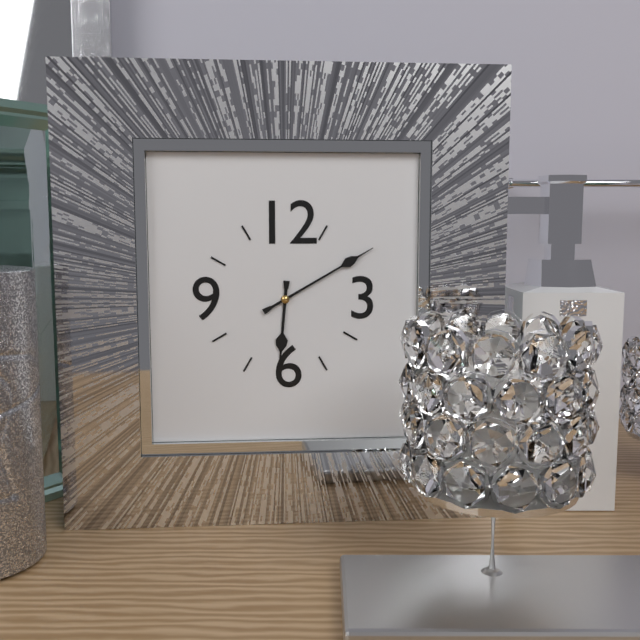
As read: {"hour": 6, "minute": 10}
